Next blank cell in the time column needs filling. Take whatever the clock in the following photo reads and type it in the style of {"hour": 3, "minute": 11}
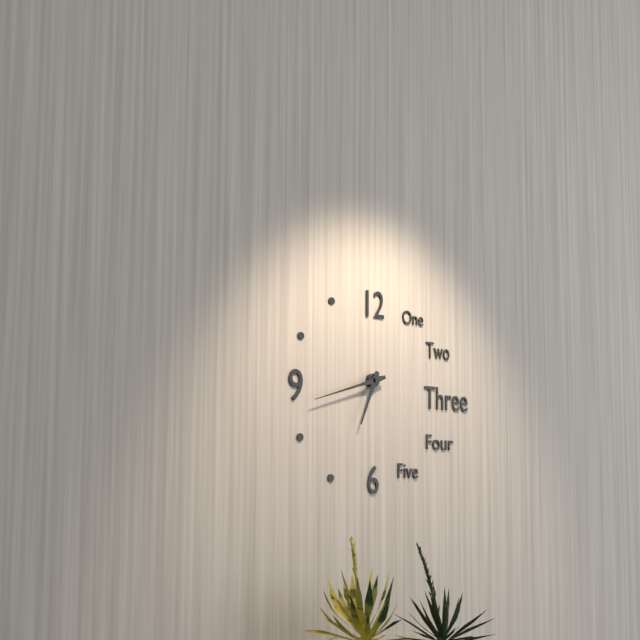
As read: {"hour": 6, "minute": 42}
